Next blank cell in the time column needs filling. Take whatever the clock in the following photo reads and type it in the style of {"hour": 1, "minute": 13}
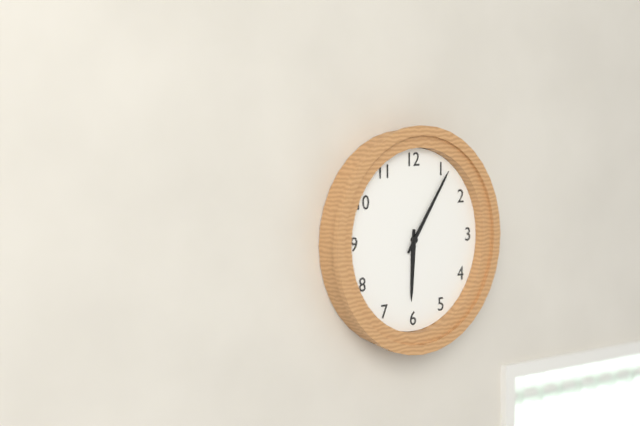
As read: {"hour": 6, "minute": 6}
